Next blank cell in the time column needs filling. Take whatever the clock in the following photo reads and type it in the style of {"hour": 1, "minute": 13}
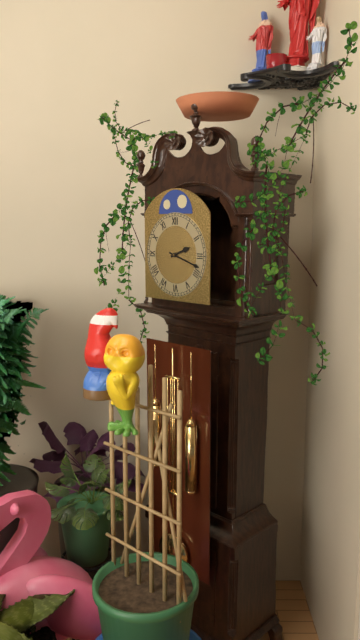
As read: {"hour": 2, "minute": 18}
